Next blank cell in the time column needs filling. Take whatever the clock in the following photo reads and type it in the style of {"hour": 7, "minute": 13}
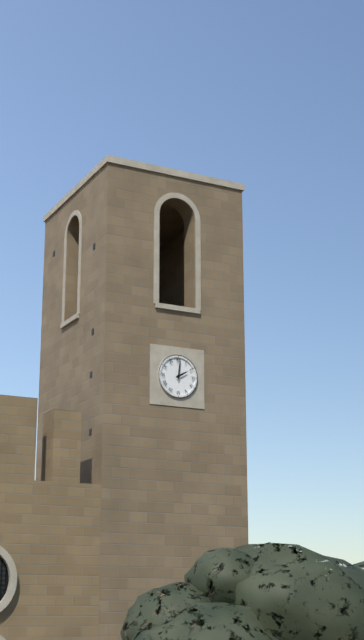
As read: {"hour": 2, "minute": 1}
